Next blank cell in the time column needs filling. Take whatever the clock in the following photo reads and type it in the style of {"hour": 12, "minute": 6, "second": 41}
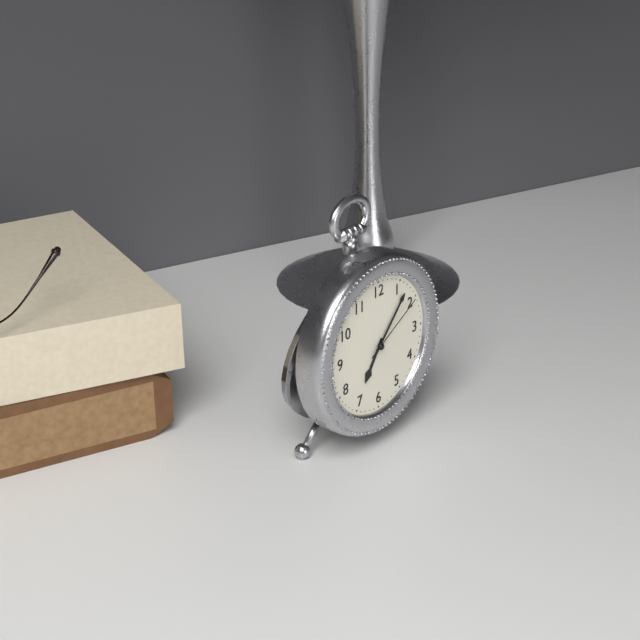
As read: {"hour": 7, "minute": 7, "second": 10}
